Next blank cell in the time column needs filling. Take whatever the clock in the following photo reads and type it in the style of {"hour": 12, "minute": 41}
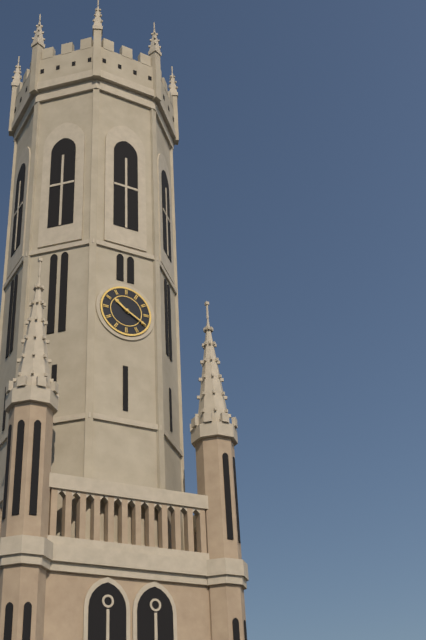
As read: {"hour": 10, "minute": 20}
